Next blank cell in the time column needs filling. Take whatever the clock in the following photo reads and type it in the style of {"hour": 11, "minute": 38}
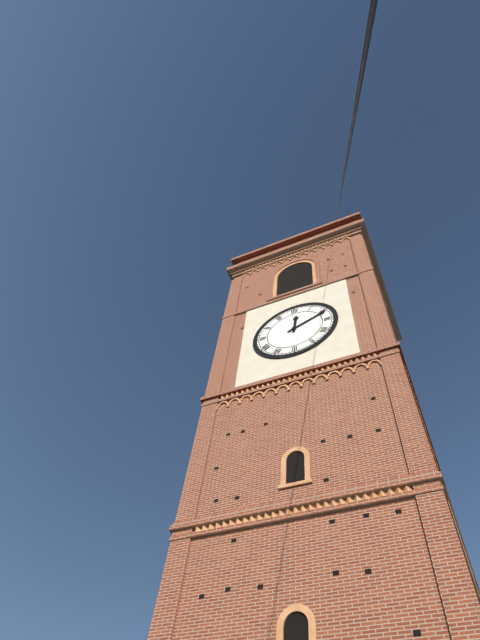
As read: {"hour": 12, "minute": 11}
